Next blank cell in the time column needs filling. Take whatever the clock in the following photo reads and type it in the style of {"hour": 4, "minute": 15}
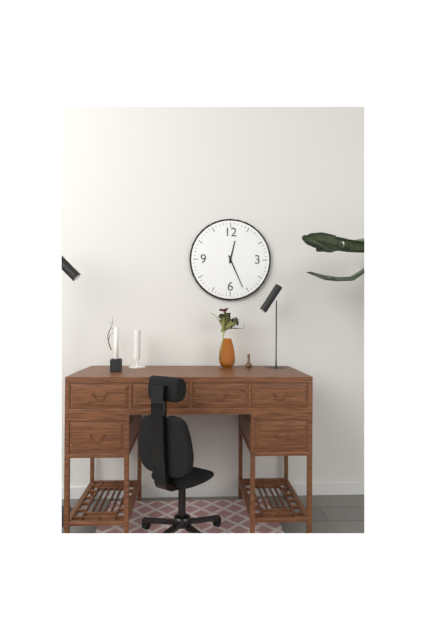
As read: {"hour": 12, "minute": 26}
